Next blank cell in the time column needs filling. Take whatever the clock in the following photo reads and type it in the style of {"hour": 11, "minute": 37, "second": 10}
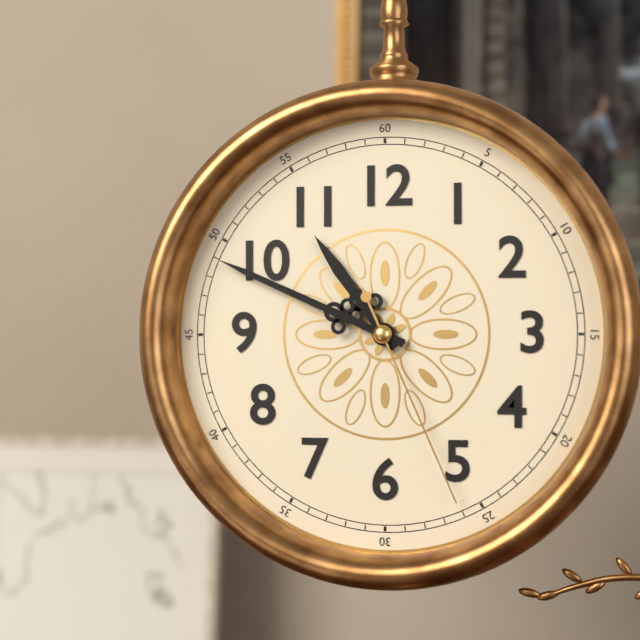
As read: {"hour": 10, "minute": 49, "second": 26}
